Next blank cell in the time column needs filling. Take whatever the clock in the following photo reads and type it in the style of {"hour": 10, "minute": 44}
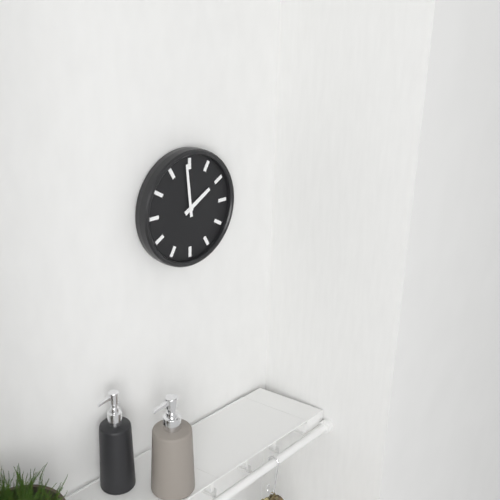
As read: {"hour": 1, "minute": 59}
